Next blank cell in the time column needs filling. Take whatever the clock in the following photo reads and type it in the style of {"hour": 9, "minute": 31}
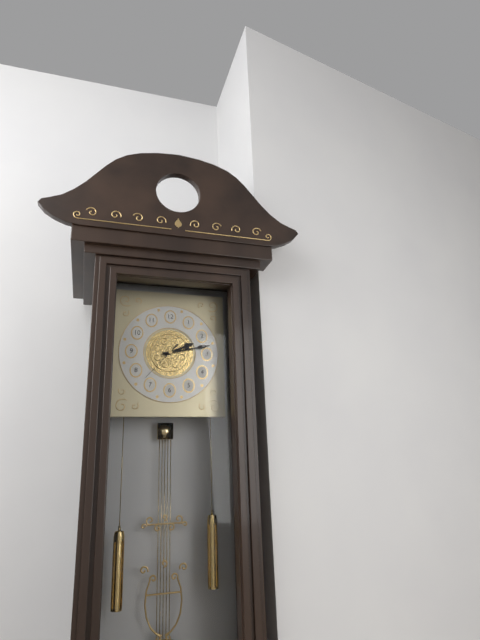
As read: {"hour": 2, "minute": 13}
